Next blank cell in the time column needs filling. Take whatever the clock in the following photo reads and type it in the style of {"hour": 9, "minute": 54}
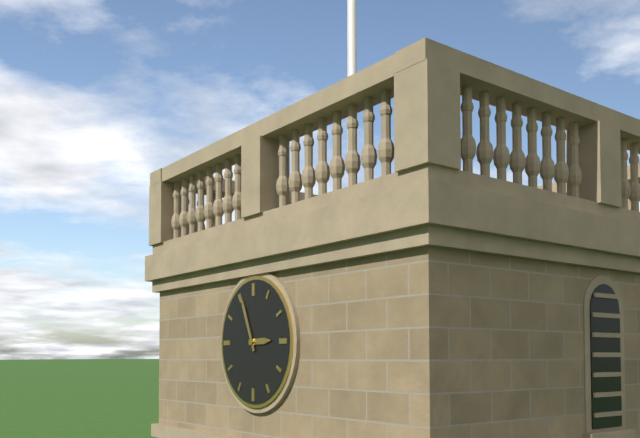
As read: {"hour": 2, "minute": 56}
